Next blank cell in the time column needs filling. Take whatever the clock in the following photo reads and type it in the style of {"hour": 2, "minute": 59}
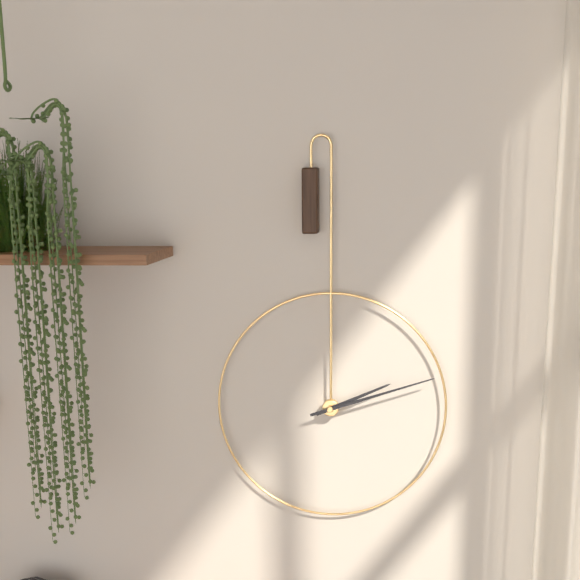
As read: {"hour": 2, "minute": 12}
